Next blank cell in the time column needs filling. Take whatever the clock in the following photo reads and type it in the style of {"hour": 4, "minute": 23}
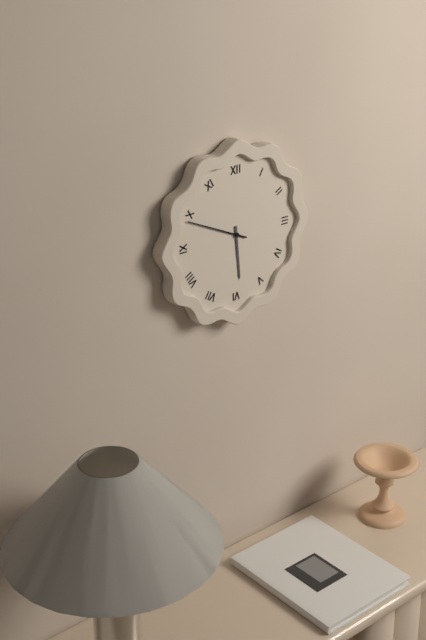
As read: {"hour": 5, "minute": 49}
